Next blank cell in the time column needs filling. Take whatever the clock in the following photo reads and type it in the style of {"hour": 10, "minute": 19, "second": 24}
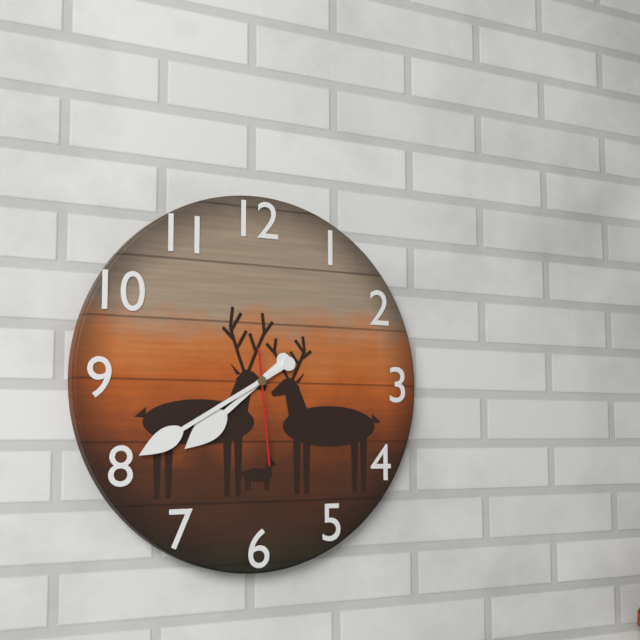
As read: {"hour": 7, "minute": 40, "second": 29}
